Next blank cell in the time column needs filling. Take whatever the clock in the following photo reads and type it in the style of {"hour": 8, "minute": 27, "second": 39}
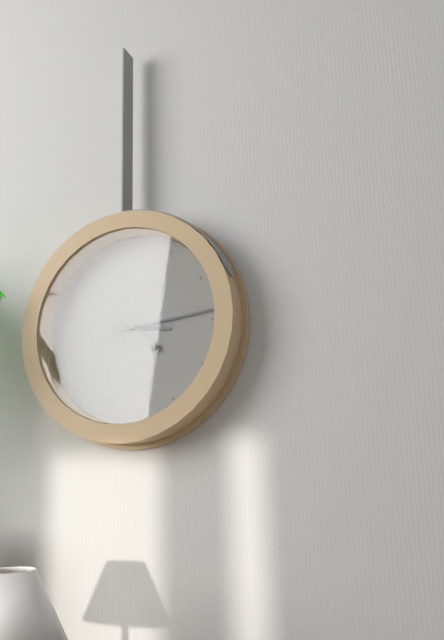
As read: {"hour": 3, "minute": 14, "second": 52}
